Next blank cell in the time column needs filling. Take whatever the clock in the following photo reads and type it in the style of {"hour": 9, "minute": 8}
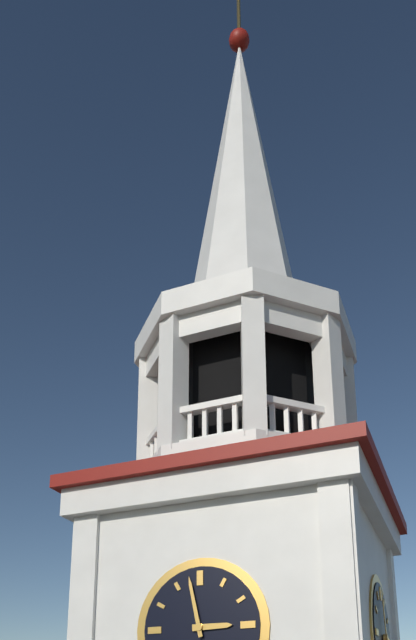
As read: {"hour": 2, "minute": 58}
